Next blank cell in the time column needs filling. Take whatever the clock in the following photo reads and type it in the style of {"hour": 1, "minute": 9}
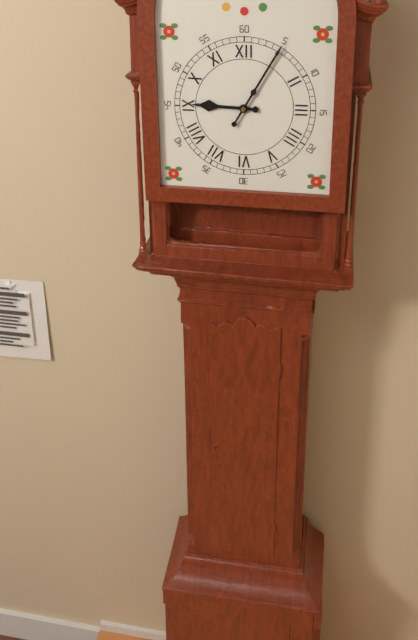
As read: {"hour": 9, "minute": 5}
